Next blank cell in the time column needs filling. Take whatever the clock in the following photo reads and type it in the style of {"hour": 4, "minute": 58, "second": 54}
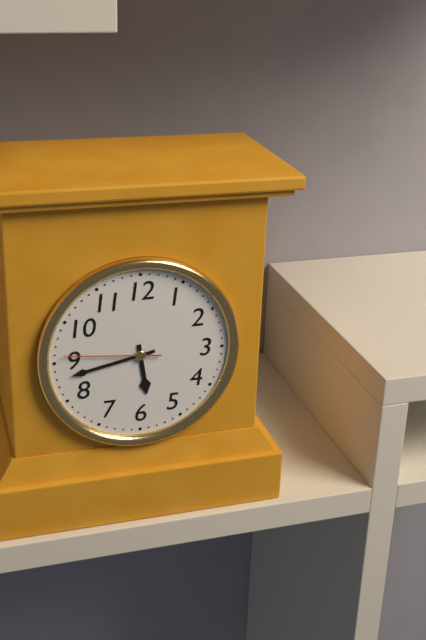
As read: {"hour": 5, "minute": 43, "second": 46}
